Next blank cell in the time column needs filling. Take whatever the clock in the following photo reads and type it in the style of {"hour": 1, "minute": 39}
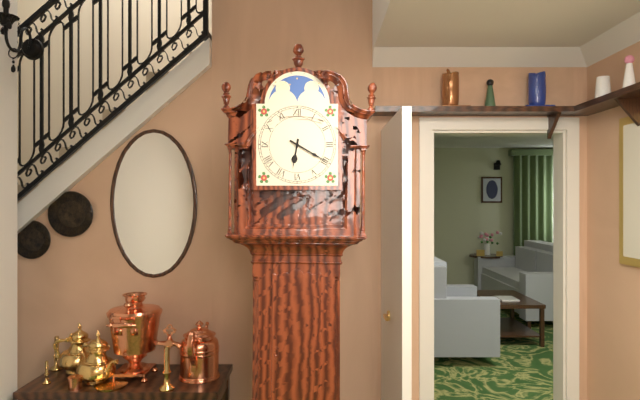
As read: {"hour": 6, "minute": 20}
